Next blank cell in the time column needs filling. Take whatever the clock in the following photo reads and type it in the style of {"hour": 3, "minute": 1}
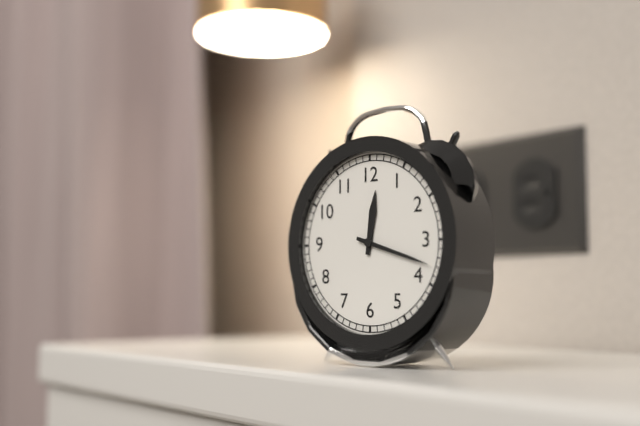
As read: {"hour": 12, "minute": 18}
